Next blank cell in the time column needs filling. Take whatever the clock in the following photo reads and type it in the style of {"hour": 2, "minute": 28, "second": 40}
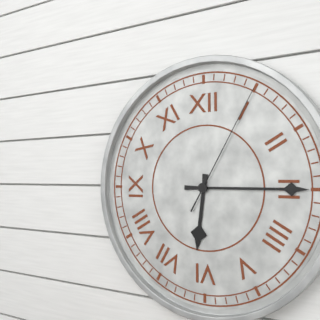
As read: {"hour": 6, "minute": 15, "second": 5}
